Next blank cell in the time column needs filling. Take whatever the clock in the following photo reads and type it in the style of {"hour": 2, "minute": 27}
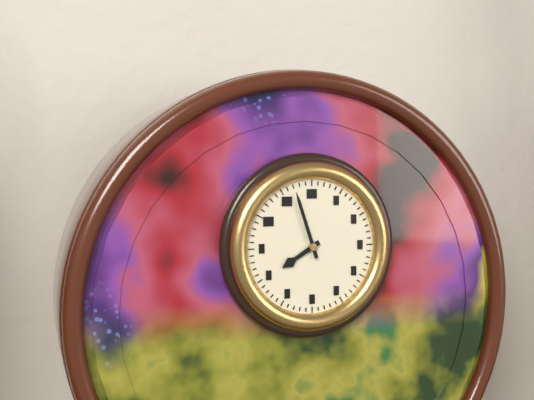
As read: {"hour": 7, "minute": 57}
